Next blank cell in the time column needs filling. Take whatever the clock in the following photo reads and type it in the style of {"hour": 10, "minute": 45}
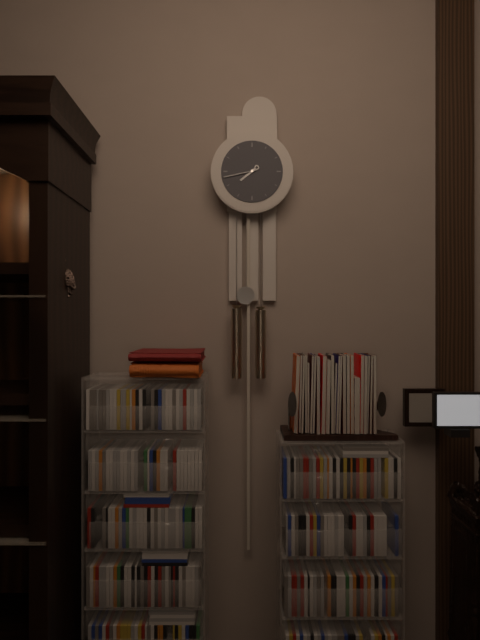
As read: {"hour": 7, "minute": 43}
